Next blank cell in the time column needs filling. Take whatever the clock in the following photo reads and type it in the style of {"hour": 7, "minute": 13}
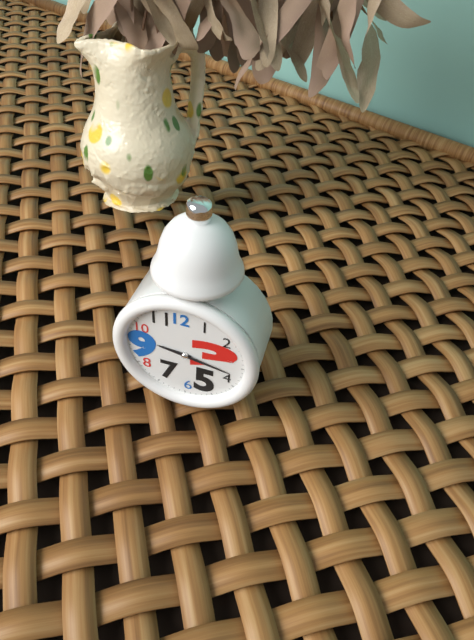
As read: {"hour": 9, "minute": 17}
